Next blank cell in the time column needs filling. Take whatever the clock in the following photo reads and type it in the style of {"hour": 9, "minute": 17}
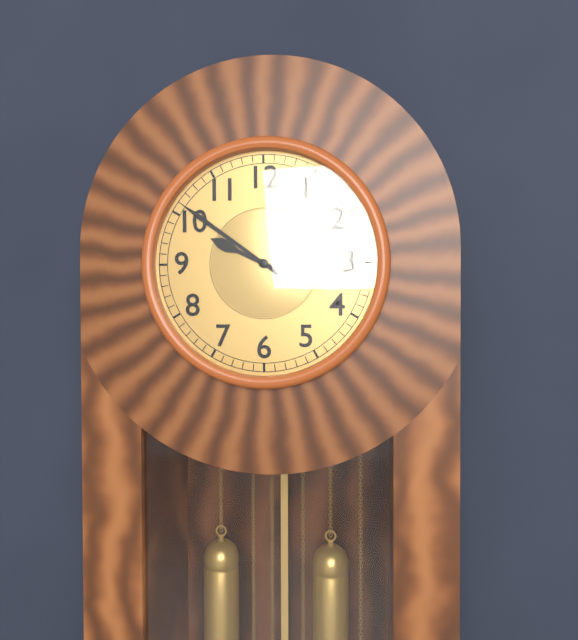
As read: {"hour": 9, "minute": 51}
